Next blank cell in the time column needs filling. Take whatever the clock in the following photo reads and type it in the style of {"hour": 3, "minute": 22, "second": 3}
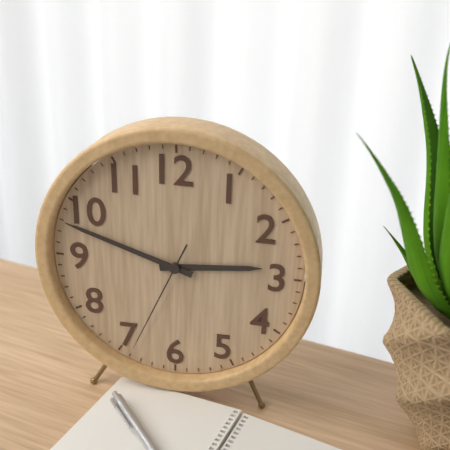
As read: {"hour": 2, "minute": 48, "second": 34}
